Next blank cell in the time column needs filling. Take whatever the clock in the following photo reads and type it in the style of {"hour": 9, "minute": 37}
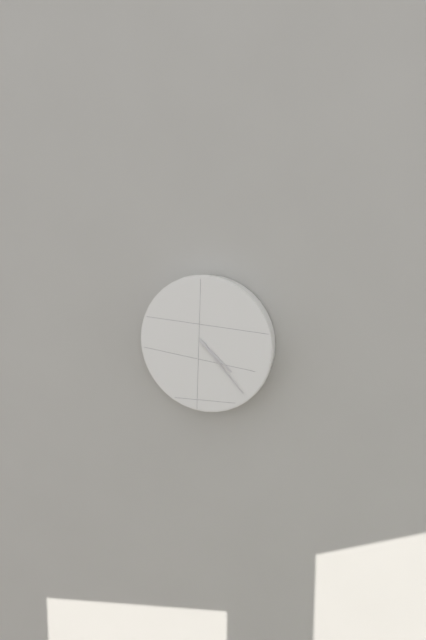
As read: {"hour": 4, "minute": 23}
